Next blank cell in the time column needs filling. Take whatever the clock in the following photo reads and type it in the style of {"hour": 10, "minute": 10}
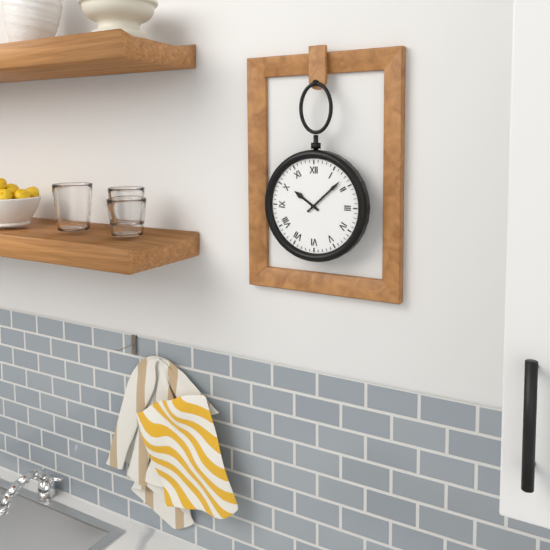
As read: {"hour": 10, "minute": 8}
